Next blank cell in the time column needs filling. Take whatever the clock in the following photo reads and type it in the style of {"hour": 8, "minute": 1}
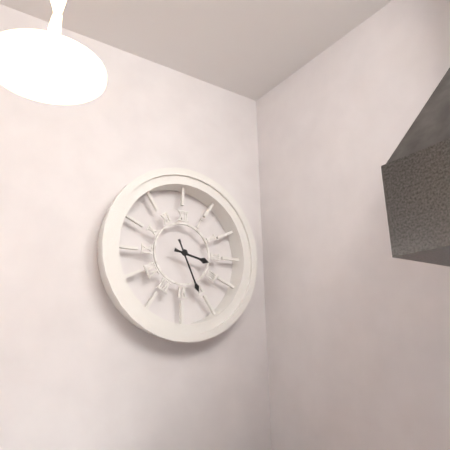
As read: {"hour": 3, "minute": 26}
